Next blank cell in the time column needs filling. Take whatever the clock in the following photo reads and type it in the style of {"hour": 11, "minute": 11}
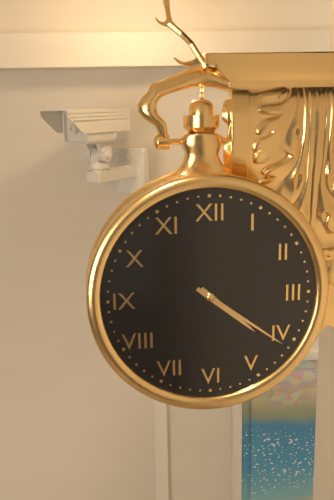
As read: {"hour": 4, "minute": 21}
